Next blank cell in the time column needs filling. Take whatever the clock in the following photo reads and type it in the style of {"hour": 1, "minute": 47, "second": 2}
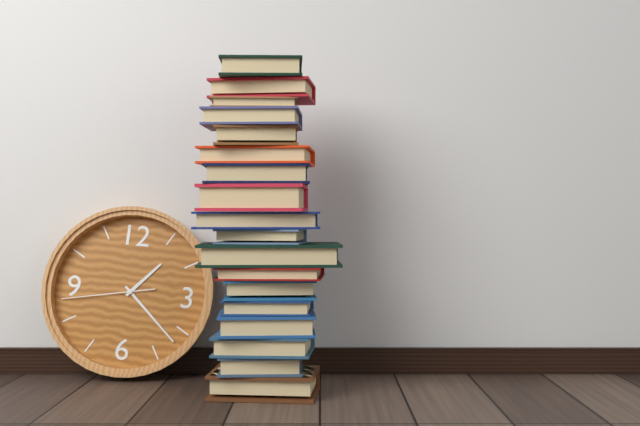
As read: {"hour": 1, "minute": 22, "second": 43}
